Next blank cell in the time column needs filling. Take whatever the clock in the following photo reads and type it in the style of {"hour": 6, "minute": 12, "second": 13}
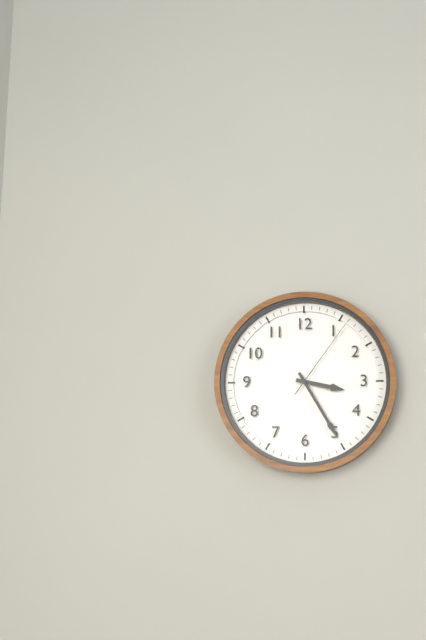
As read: {"hour": 3, "minute": 25, "second": 6}
